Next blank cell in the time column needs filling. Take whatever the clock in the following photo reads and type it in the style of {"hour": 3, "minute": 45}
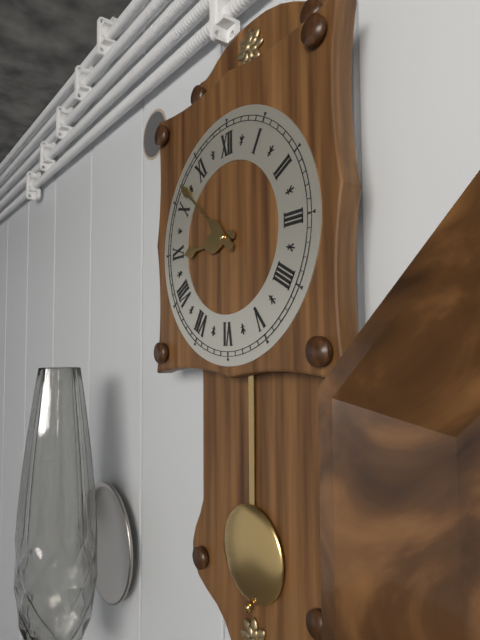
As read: {"hour": 8, "minute": 52}
